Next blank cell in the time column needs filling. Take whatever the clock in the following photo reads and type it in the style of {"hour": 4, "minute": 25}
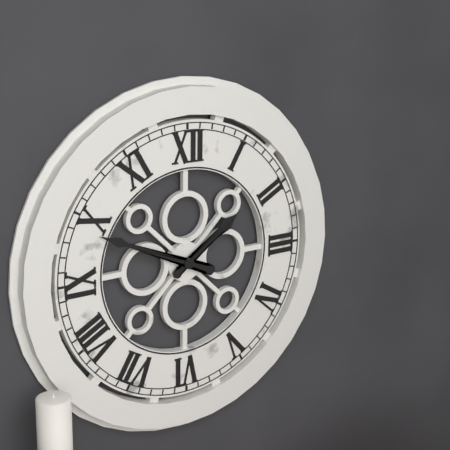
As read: {"hour": 1, "minute": 49}
